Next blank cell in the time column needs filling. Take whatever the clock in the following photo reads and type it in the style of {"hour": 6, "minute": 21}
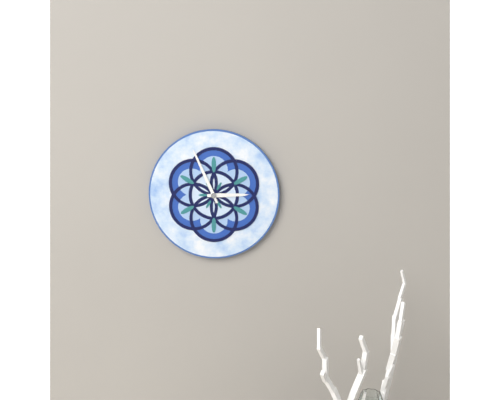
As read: {"hour": 2, "minute": 56}
